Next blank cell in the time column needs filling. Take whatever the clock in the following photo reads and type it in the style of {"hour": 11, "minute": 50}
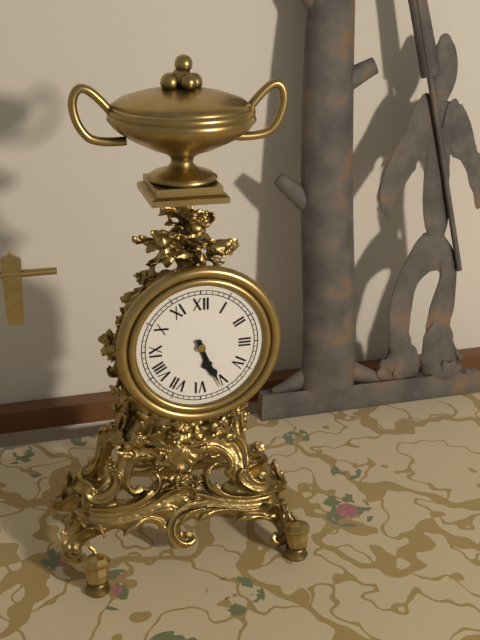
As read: {"hour": 5, "minute": 26}
